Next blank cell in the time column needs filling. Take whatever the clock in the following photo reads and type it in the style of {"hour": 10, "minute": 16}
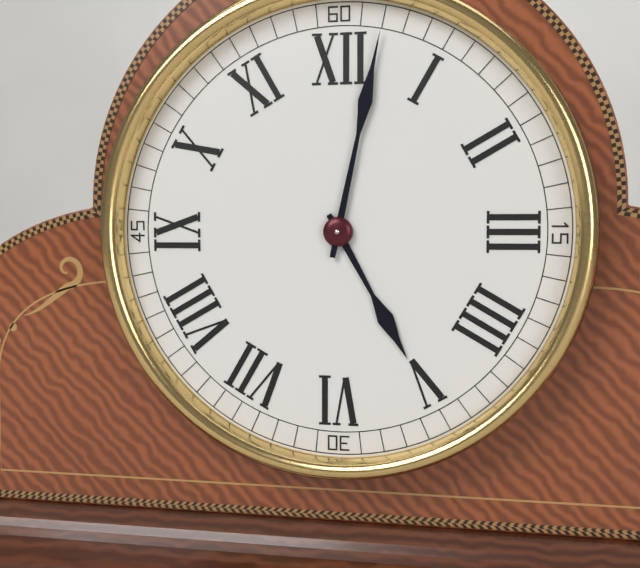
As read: {"hour": 5, "minute": 2}
